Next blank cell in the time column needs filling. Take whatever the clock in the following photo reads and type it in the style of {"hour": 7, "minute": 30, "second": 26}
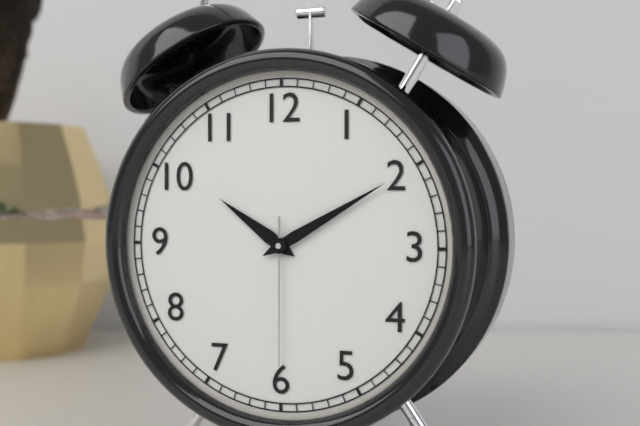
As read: {"hour": 10, "minute": 10, "second": 30}
